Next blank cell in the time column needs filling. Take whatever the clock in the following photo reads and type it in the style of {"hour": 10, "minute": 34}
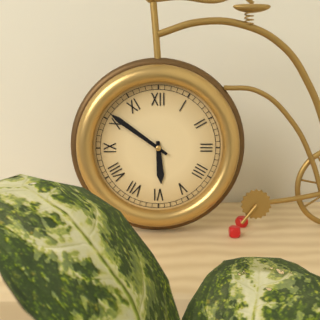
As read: {"hour": 5, "minute": 51}
